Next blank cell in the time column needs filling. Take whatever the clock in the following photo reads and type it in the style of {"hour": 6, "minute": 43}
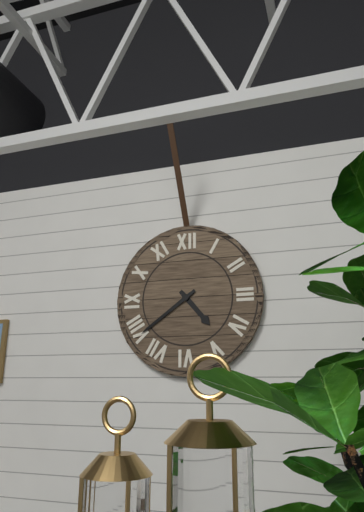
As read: {"hour": 4, "minute": 39}
